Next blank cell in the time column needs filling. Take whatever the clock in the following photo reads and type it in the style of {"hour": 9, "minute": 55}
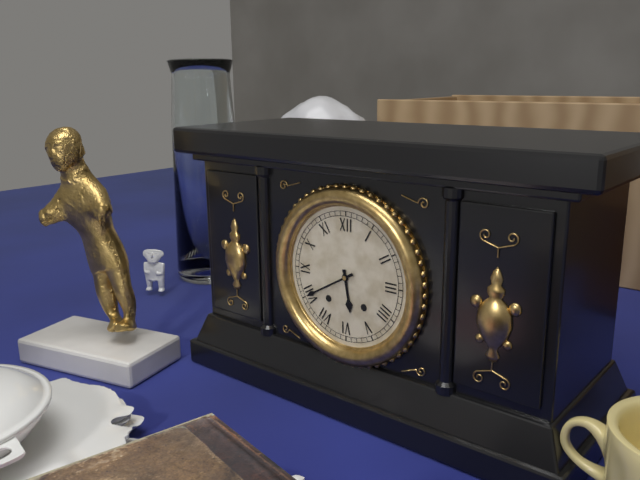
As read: {"hour": 5, "minute": 40}
